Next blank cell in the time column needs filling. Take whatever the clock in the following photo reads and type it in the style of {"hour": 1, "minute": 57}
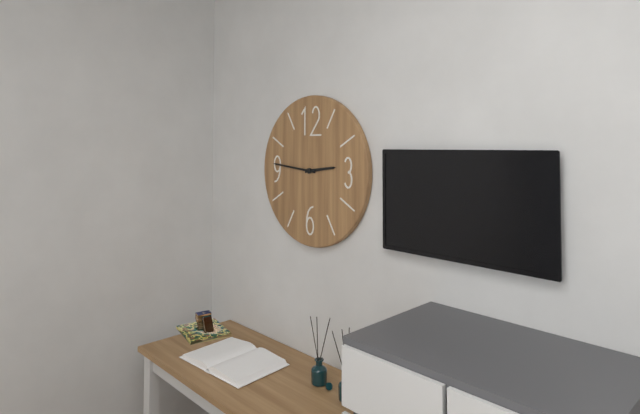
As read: {"hour": 2, "minute": 46}
